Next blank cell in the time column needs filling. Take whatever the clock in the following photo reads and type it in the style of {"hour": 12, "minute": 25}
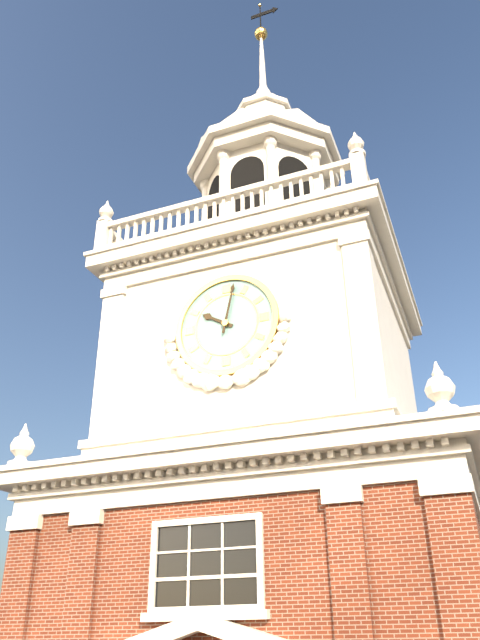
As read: {"hour": 10, "minute": 2}
